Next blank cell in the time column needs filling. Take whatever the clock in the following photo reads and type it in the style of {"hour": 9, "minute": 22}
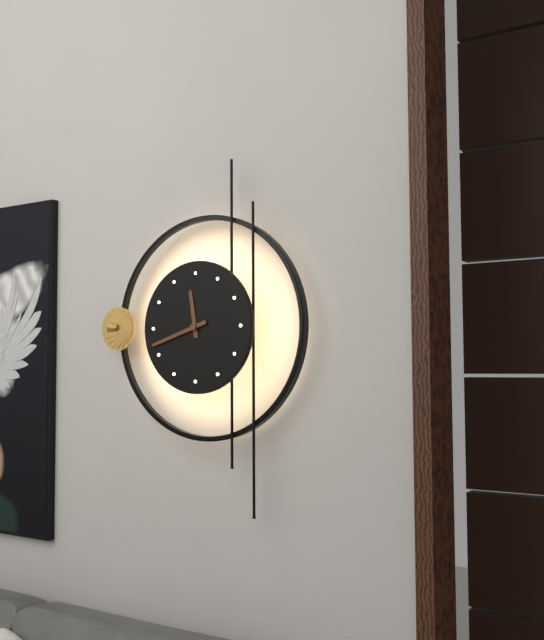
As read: {"hour": 11, "minute": 42}
